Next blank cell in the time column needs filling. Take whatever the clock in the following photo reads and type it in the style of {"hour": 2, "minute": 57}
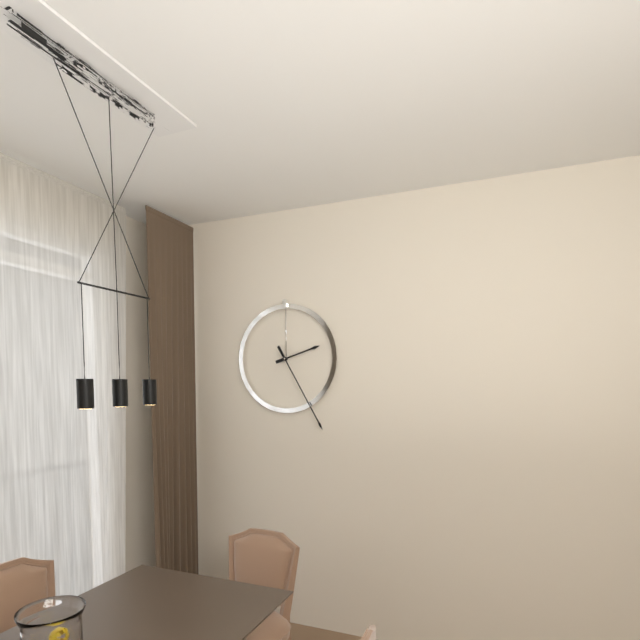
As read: {"hour": 2, "minute": 25}
